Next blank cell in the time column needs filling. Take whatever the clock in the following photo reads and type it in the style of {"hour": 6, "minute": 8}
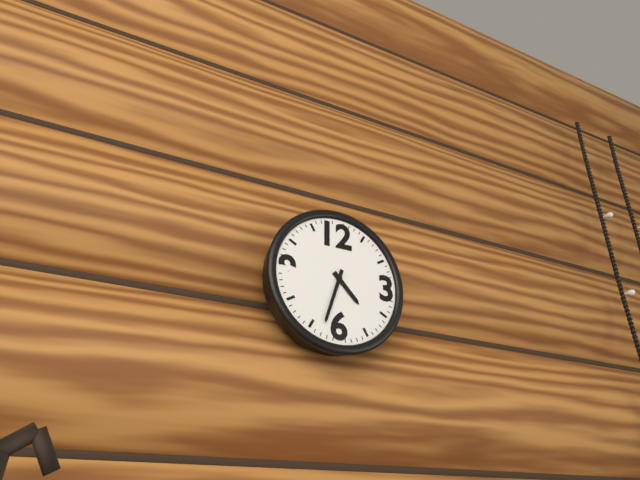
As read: {"hour": 4, "minute": 33}
